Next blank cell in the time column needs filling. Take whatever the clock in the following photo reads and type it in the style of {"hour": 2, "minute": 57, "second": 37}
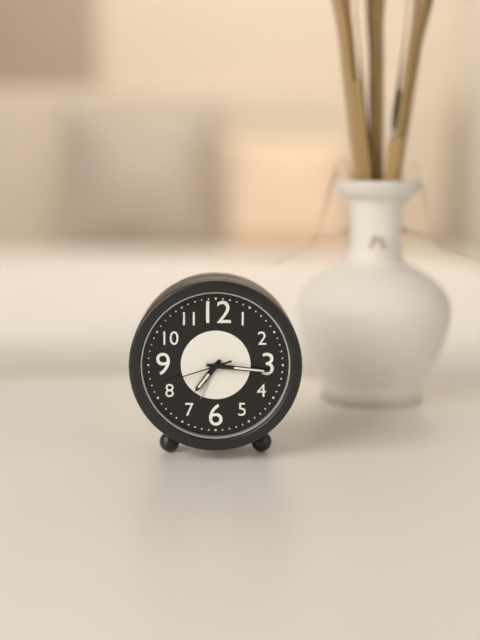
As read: {"hour": 7, "minute": 16, "second": 42}
